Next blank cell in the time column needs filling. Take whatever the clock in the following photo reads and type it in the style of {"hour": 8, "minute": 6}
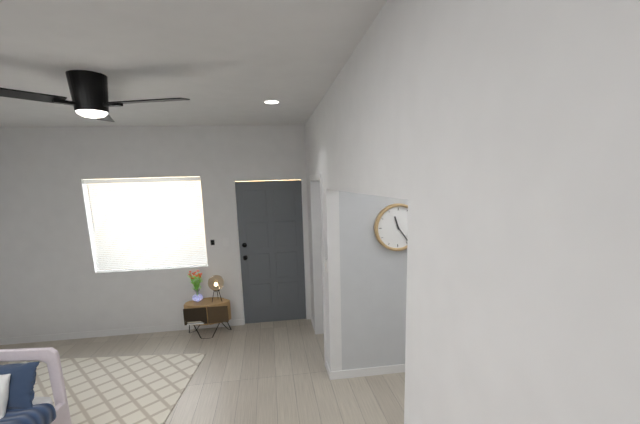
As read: {"hour": 11, "minute": 24}
